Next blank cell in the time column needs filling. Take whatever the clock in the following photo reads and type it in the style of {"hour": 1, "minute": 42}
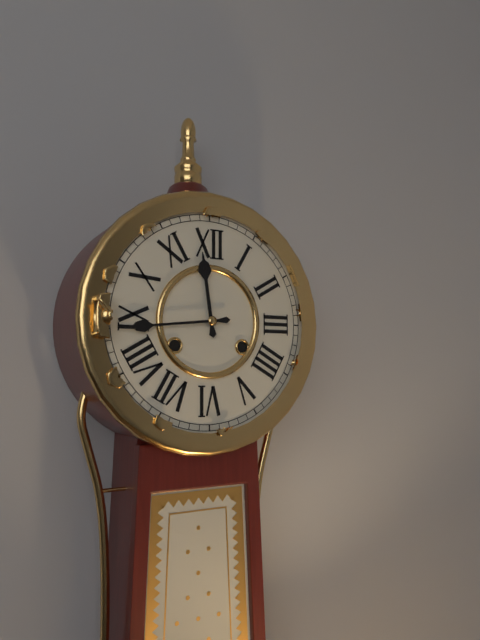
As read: {"hour": 11, "minute": 44}
